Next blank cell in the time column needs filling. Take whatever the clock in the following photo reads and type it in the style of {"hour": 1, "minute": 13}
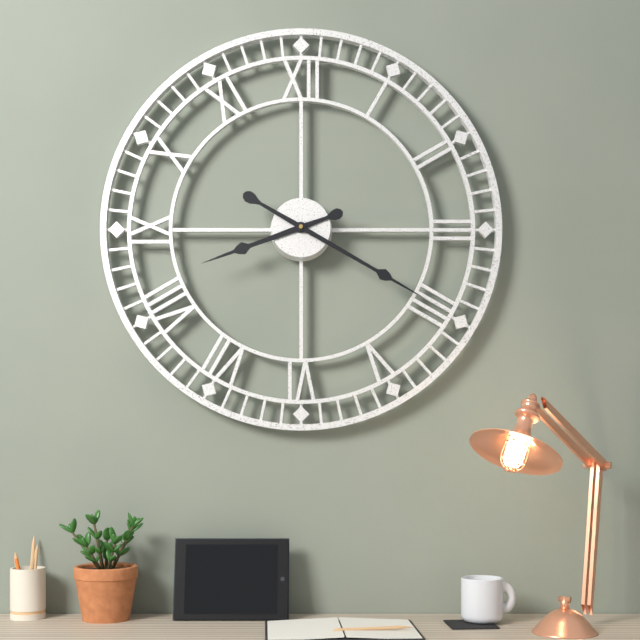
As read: {"hour": 8, "minute": 20}
